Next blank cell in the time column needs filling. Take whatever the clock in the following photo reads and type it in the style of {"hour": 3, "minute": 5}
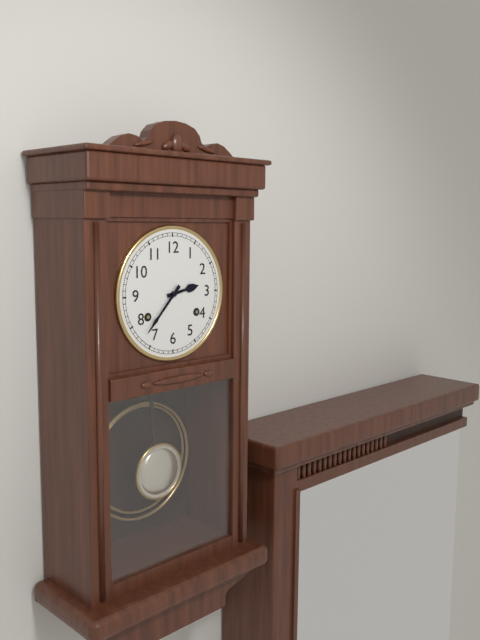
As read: {"hour": 2, "minute": 37}
